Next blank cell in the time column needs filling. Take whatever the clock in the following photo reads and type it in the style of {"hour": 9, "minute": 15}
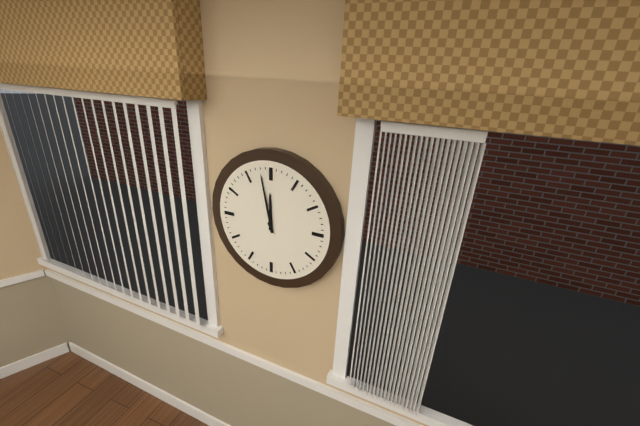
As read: {"hour": 11, "minute": 58}
